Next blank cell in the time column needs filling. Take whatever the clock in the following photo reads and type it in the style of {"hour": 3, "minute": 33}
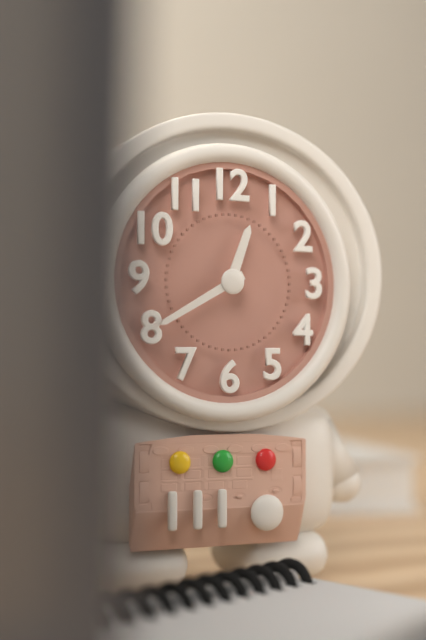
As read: {"hour": 12, "minute": 40}
